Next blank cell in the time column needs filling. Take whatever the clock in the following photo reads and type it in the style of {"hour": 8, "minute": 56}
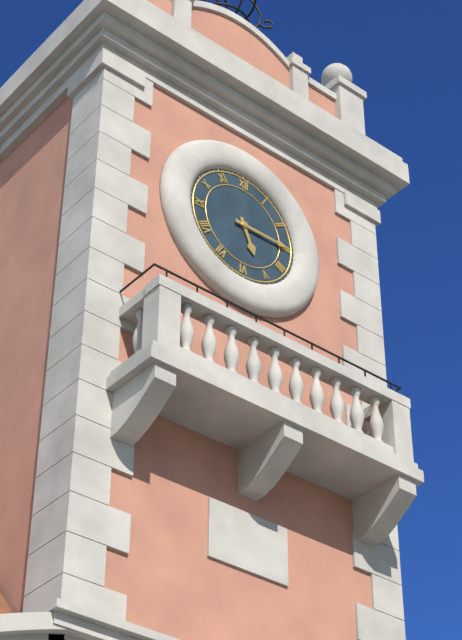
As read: {"hour": 5, "minute": 15}
